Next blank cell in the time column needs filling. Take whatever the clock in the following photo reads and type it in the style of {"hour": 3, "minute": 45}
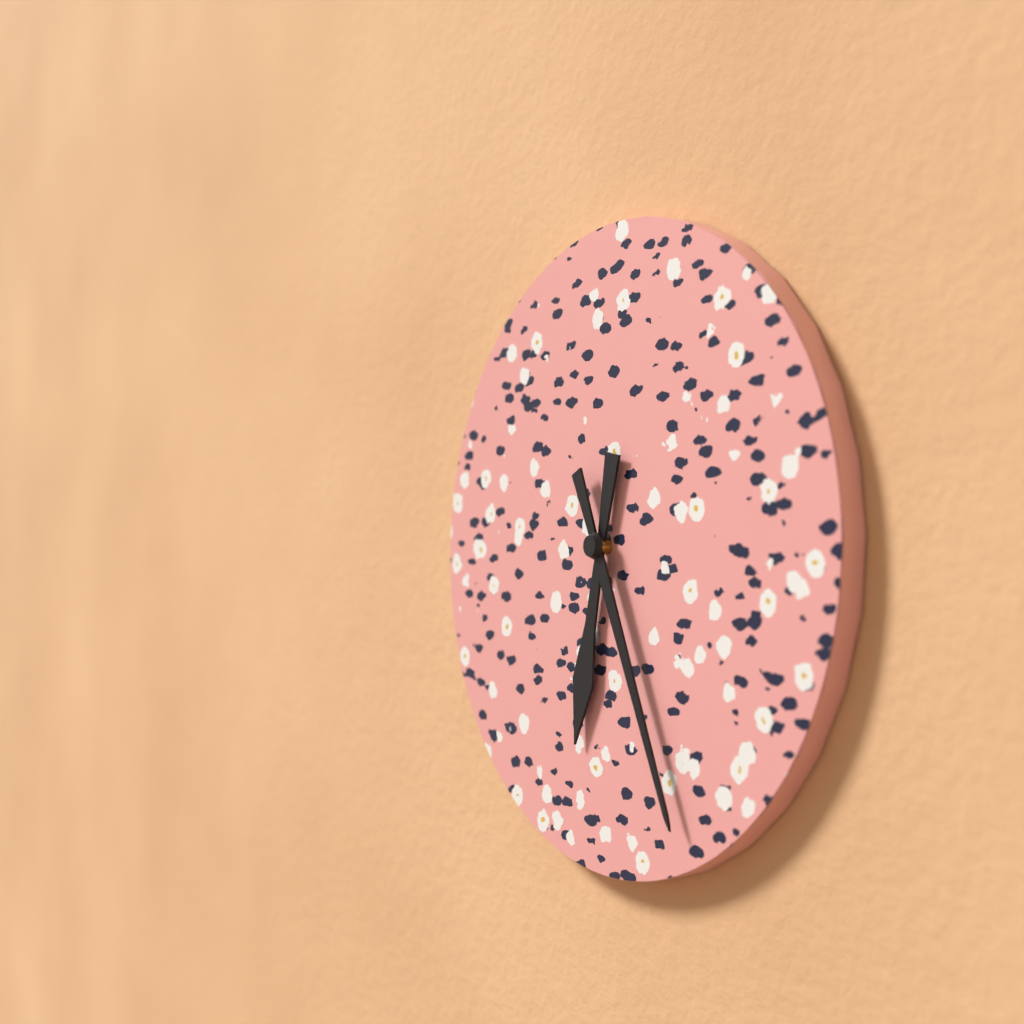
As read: {"hour": 6, "minute": 26}
